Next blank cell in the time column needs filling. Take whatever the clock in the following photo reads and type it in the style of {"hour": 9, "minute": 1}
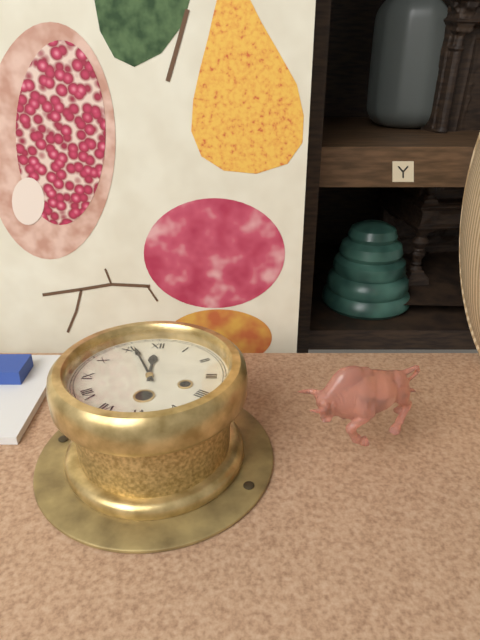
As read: {"hour": 11, "minute": 56}
